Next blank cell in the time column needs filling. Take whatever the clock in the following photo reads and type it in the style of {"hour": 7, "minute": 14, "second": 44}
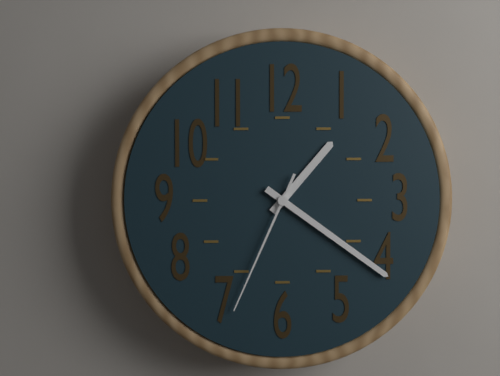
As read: {"hour": 1, "minute": 21, "second": 34}
